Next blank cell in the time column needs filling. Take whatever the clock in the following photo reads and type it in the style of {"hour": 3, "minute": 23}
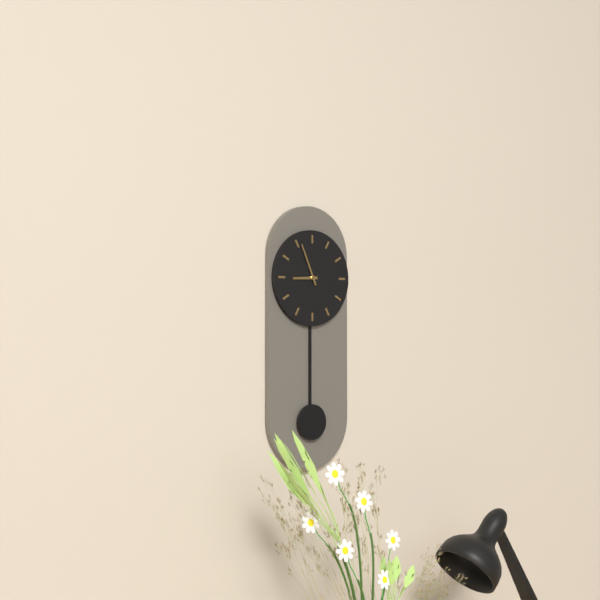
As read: {"hour": 8, "minute": 56}
